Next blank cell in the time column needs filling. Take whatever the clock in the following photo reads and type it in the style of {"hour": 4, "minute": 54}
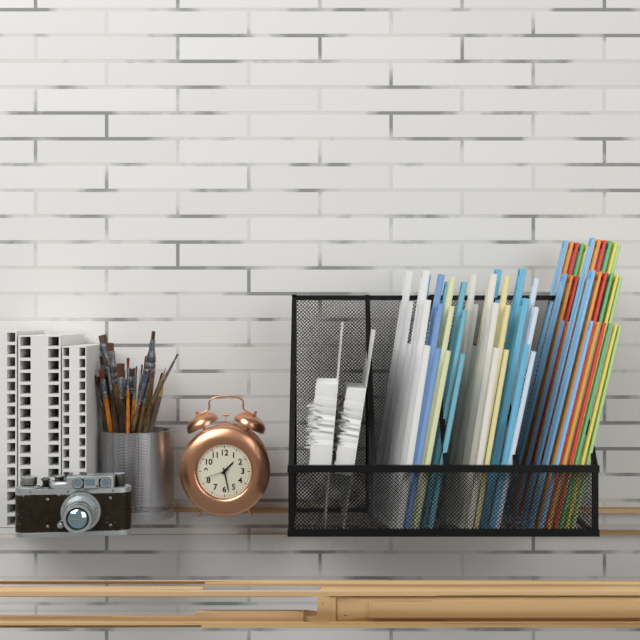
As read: {"hour": 1, "minute": 28}
